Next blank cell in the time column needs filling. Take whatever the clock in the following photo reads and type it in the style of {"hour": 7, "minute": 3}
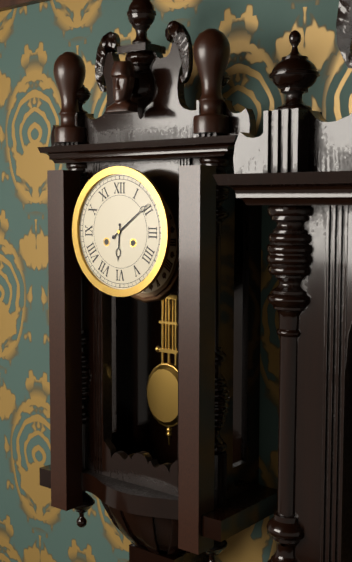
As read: {"hour": 6, "minute": 9}
